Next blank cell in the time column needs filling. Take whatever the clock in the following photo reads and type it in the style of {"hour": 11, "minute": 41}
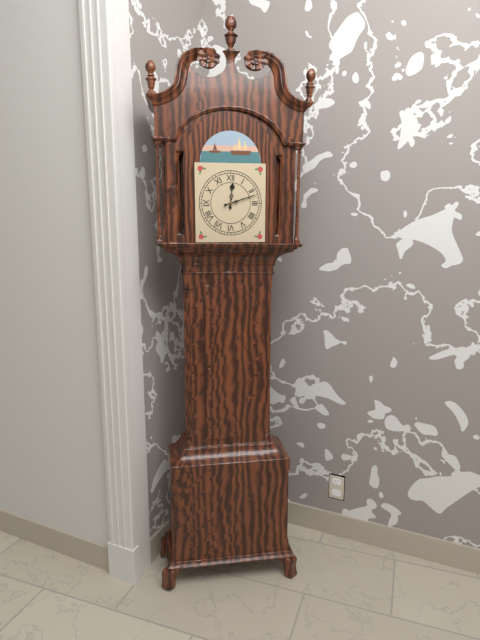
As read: {"hour": 12, "minute": 12}
